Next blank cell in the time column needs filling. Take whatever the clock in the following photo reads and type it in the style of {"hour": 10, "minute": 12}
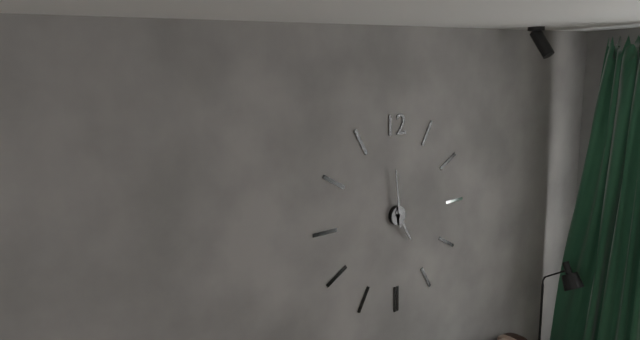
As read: {"hour": 4, "minute": 59}
